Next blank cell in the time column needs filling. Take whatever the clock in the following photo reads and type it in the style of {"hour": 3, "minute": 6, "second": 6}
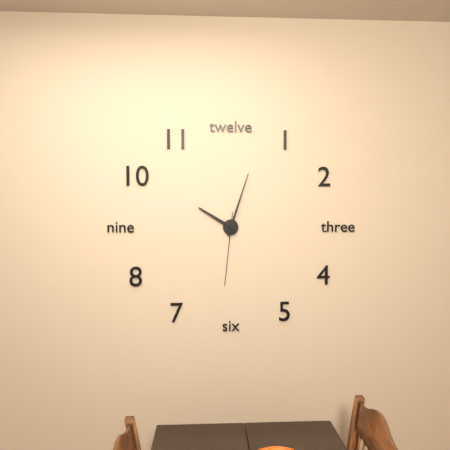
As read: {"hour": 10, "minute": 3, "second": 31}
